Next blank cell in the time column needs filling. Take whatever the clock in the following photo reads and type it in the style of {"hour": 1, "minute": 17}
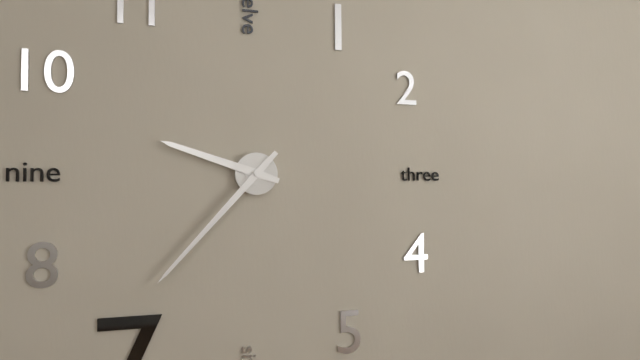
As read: {"hour": 9, "minute": 37}
